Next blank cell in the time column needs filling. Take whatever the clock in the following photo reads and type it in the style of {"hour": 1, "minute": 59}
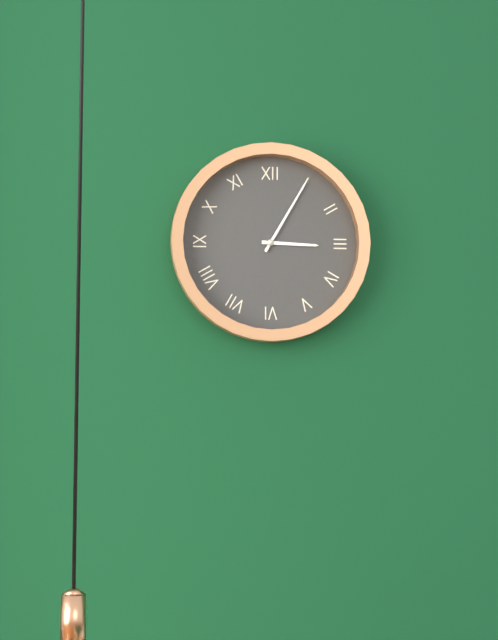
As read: {"hour": 3, "minute": 5}
